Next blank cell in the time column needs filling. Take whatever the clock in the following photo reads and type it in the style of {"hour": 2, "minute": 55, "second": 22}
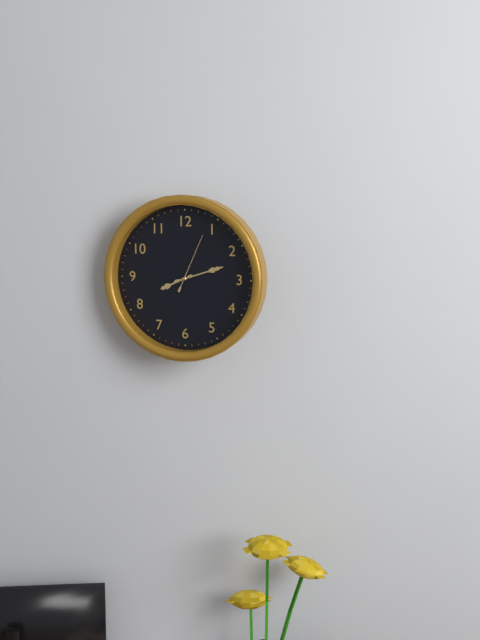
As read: {"hour": 8, "minute": 12, "second": 4}
